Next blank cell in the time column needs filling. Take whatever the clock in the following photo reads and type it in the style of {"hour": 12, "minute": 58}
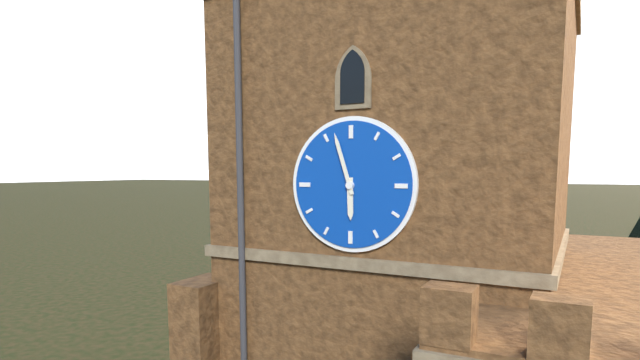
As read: {"hour": 5, "minute": 57}
